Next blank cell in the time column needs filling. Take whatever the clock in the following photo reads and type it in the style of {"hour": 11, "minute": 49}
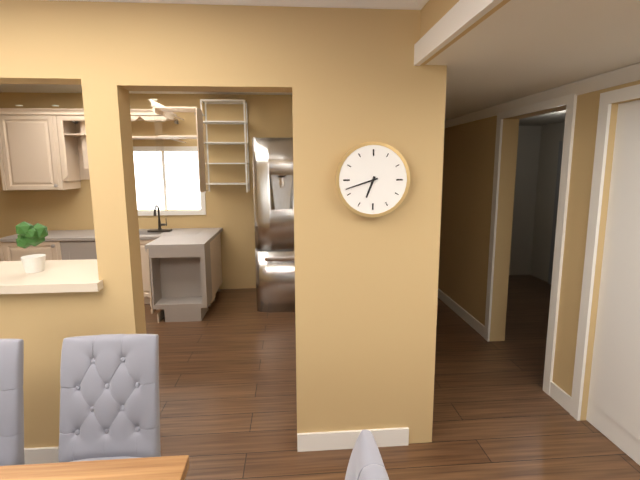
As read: {"hour": 6, "minute": 42}
